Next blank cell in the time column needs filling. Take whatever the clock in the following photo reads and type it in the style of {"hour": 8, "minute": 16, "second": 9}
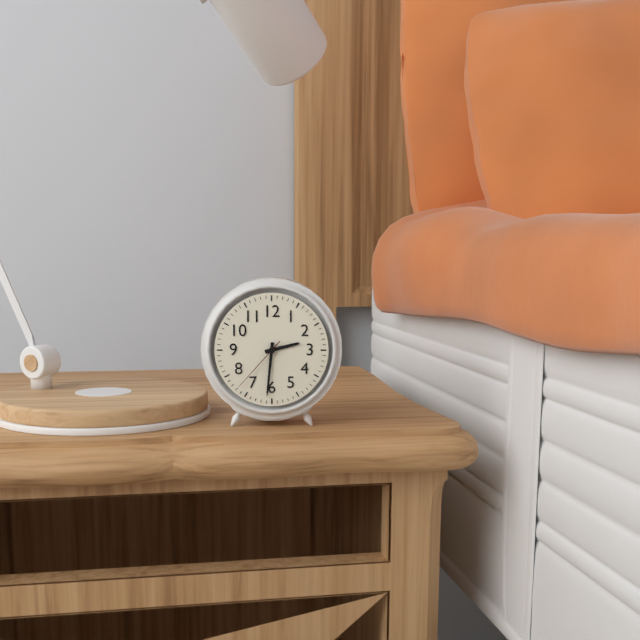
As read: {"hour": 2, "minute": 31, "second": 37}
